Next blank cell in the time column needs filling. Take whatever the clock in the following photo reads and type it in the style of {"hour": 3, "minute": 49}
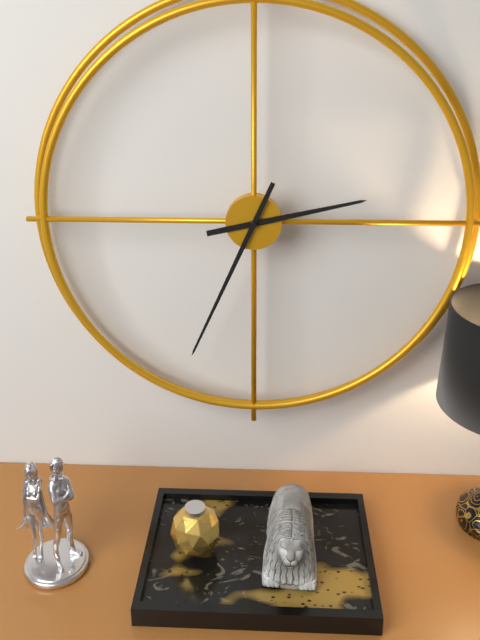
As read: {"hour": 2, "minute": 34}
